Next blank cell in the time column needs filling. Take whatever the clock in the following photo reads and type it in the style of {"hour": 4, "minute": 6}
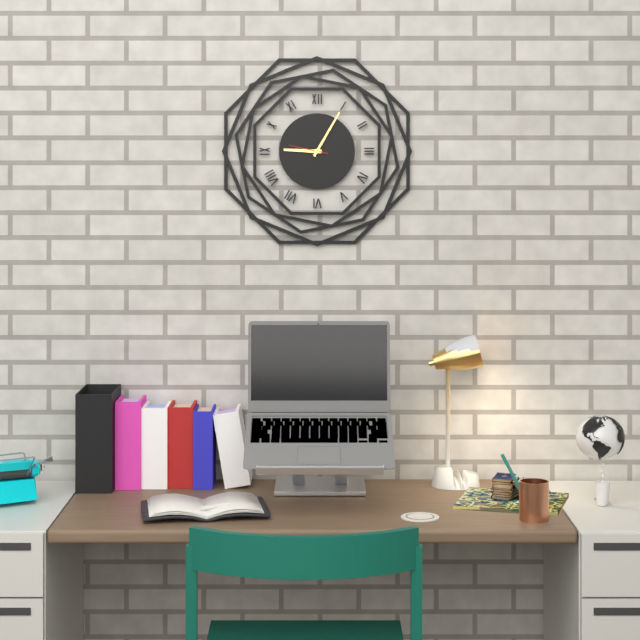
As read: {"hour": 9, "minute": 5}
